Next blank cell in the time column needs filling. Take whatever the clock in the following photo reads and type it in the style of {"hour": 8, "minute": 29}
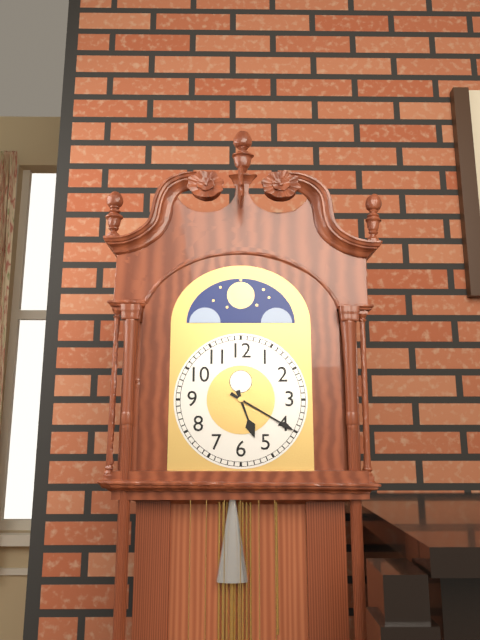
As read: {"hour": 5, "minute": 20}
